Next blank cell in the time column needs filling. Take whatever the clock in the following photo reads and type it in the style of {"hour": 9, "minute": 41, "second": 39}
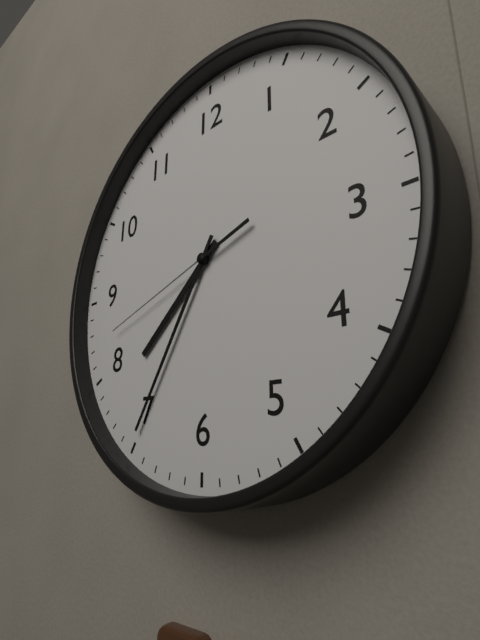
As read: {"hour": 7, "minute": 35, "second": 42}
